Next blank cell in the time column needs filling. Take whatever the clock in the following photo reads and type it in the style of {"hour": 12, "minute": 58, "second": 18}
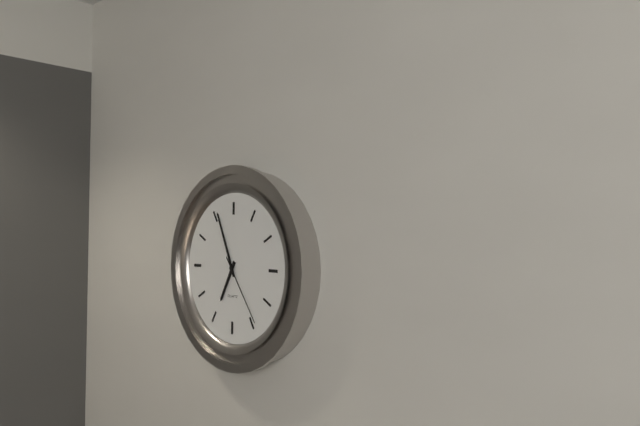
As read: {"hour": 6, "minute": 56, "second": 24}
